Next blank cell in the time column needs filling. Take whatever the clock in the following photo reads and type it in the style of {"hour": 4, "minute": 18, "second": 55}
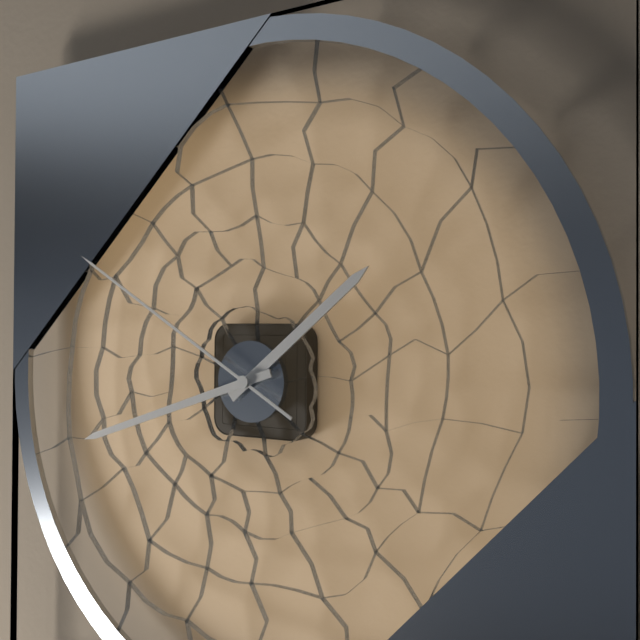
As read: {"hour": 1, "minute": 42, "second": 50}
